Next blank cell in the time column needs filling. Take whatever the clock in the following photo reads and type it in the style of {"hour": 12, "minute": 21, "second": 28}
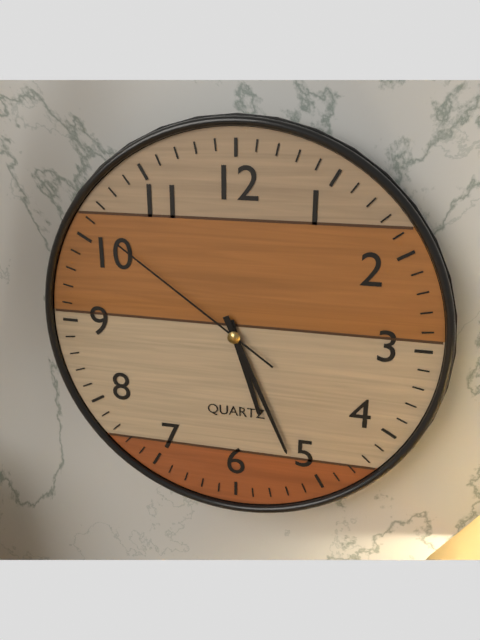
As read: {"hour": 5, "minute": 26, "second": 51}
